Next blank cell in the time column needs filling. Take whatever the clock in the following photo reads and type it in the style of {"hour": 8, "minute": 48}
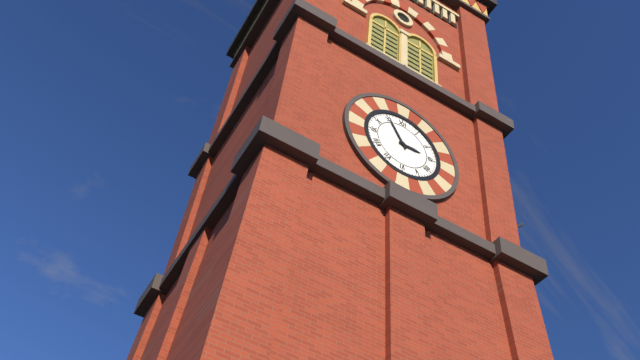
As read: {"hour": 2, "minute": 55}
